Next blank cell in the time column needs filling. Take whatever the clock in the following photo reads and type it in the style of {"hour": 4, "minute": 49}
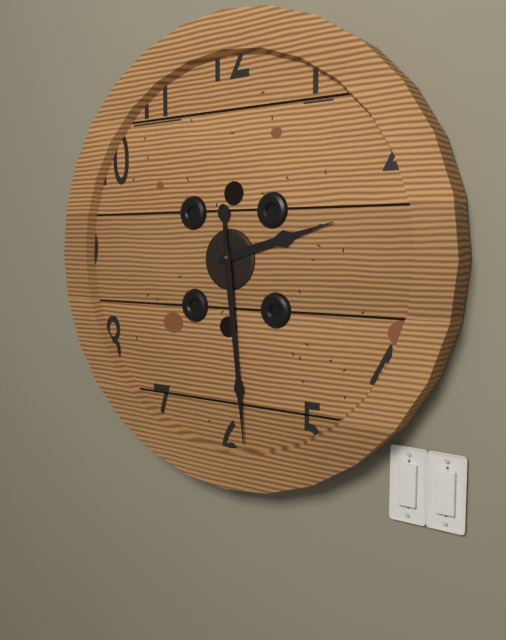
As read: {"hour": 2, "minute": 29}
